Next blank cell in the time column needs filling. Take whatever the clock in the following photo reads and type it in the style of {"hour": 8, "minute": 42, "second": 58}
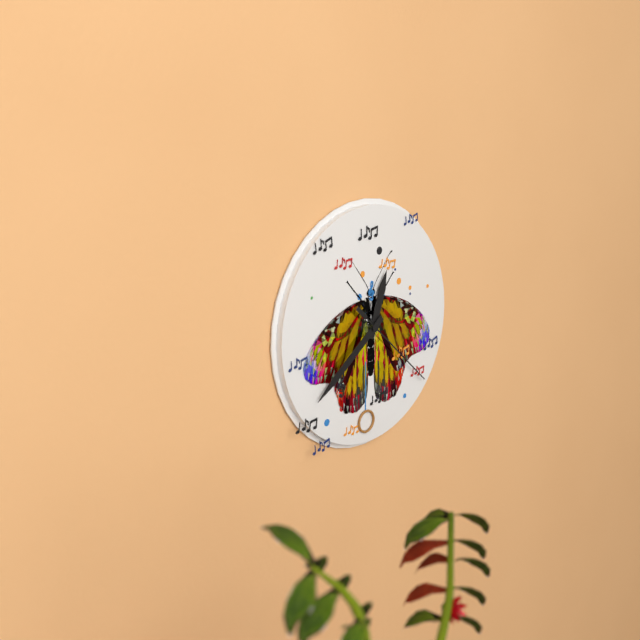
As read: {"hour": 12, "minute": 39, "second": 22}
